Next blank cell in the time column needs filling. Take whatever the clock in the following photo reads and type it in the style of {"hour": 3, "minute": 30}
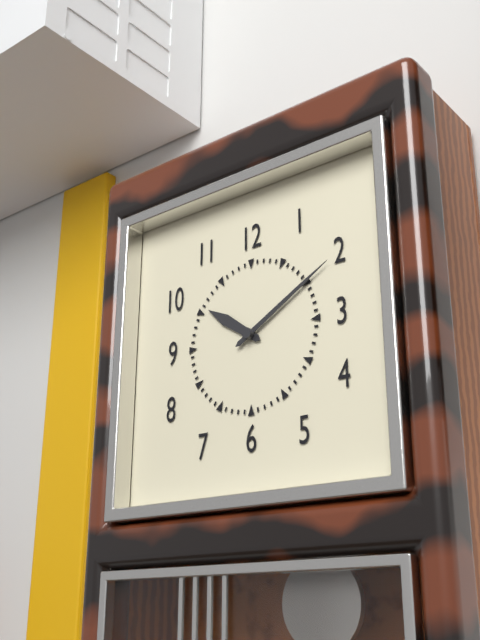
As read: {"hour": 10, "minute": 10}
